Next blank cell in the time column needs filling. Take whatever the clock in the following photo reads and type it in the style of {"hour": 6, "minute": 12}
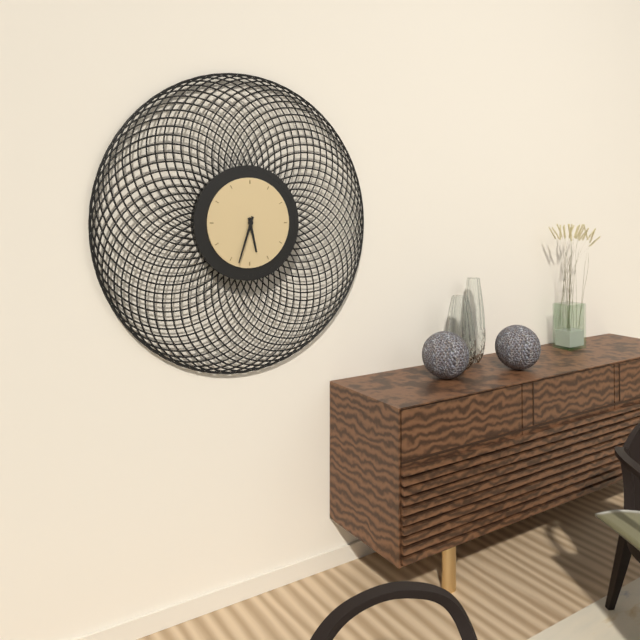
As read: {"hour": 5, "minute": 33}
